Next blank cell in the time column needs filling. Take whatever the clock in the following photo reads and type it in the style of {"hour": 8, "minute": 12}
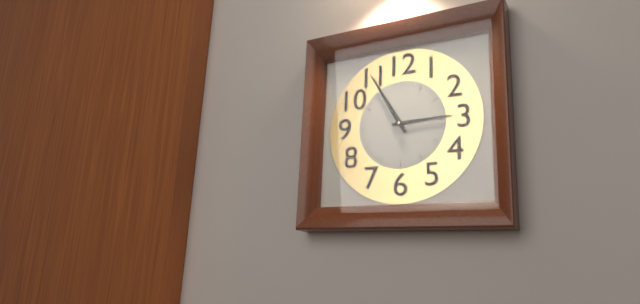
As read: {"hour": 2, "minute": 55}
